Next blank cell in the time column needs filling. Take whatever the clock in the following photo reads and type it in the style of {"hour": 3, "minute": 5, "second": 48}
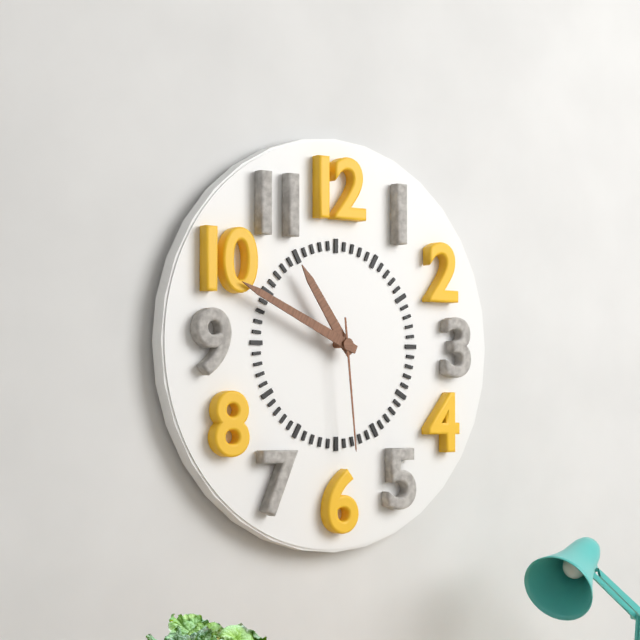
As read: {"hour": 10, "minute": 49, "second": 29}
